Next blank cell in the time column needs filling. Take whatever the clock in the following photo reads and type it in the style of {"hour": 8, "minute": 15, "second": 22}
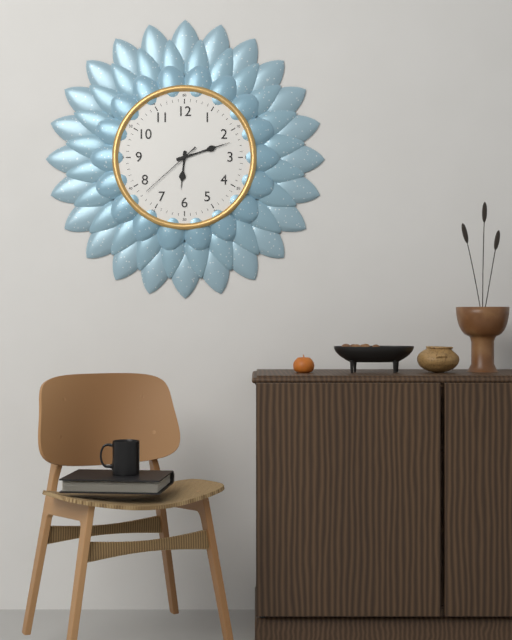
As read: {"hour": 6, "minute": 12, "second": 38}
